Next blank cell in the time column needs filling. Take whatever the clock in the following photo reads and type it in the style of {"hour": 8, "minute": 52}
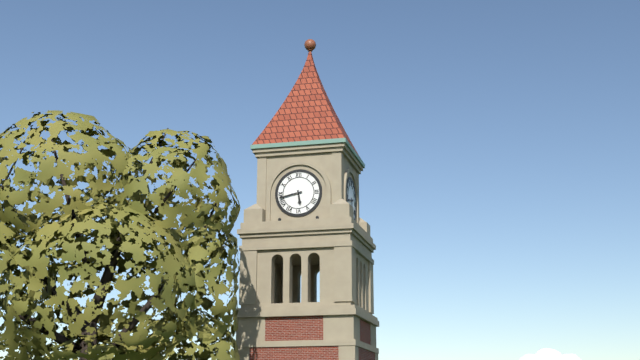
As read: {"hour": 5, "minute": 43}
